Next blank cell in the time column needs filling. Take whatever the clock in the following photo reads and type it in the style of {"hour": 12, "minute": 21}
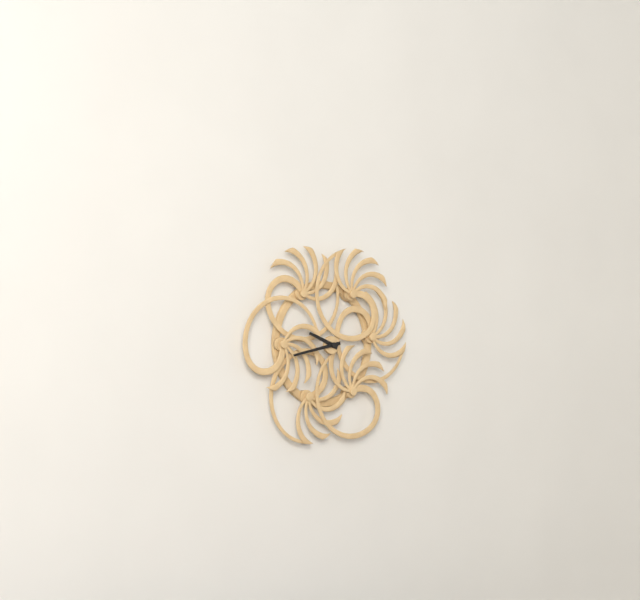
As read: {"hour": 9, "minute": 43}
